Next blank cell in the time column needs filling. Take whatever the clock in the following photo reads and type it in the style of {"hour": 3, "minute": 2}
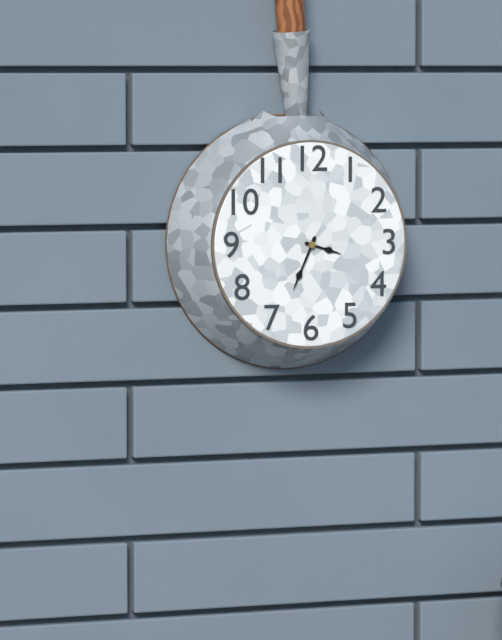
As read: {"hour": 3, "minute": 34}
